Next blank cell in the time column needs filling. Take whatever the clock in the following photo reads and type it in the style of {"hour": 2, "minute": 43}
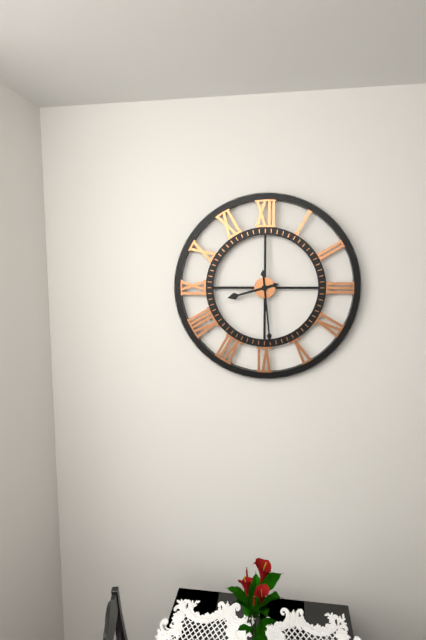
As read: {"hour": 8, "minute": 29}
